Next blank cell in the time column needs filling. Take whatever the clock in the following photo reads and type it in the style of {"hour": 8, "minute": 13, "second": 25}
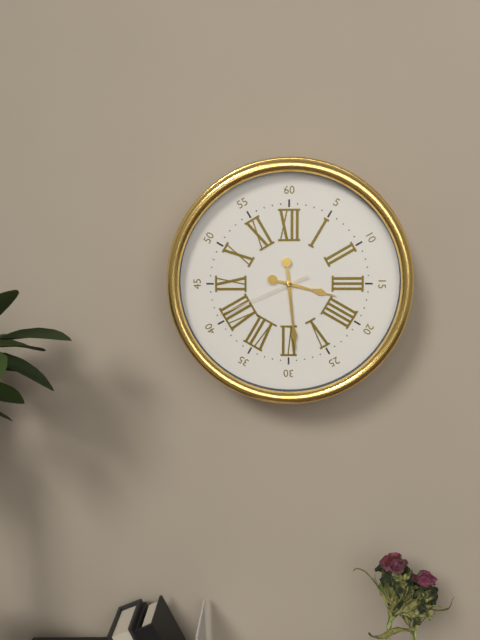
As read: {"hour": 3, "minute": 29, "second": 41}
